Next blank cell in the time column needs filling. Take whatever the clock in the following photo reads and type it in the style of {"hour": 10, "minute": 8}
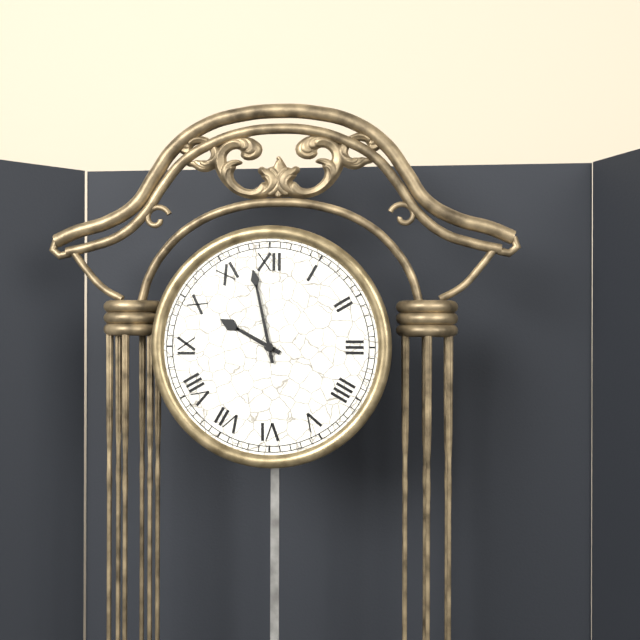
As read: {"hour": 9, "minute": 58}
